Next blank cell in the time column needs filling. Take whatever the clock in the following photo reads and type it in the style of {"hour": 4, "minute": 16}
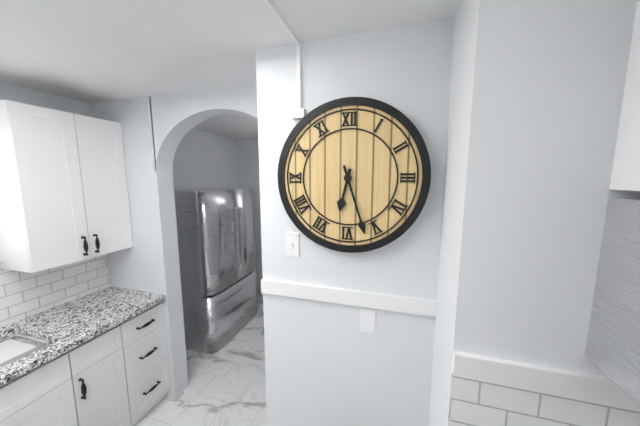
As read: {"hour": 6, "minute": 27}
